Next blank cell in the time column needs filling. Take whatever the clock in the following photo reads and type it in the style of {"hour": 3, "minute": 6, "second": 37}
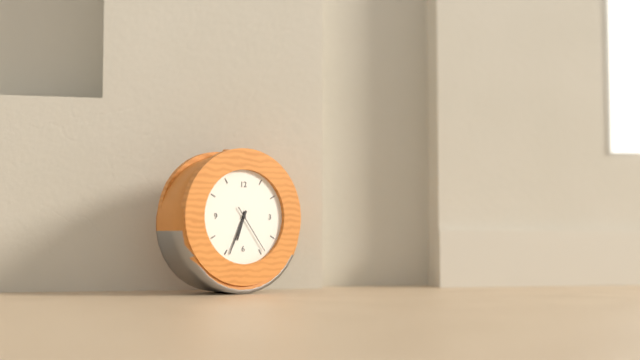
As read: {"hour": 6, "minute": 34, "second": 24}
